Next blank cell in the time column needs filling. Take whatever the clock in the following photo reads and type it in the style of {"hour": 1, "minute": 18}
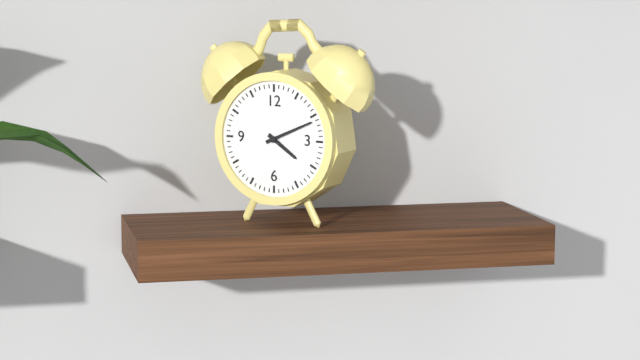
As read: {"hour": 4, "minute": 11}
